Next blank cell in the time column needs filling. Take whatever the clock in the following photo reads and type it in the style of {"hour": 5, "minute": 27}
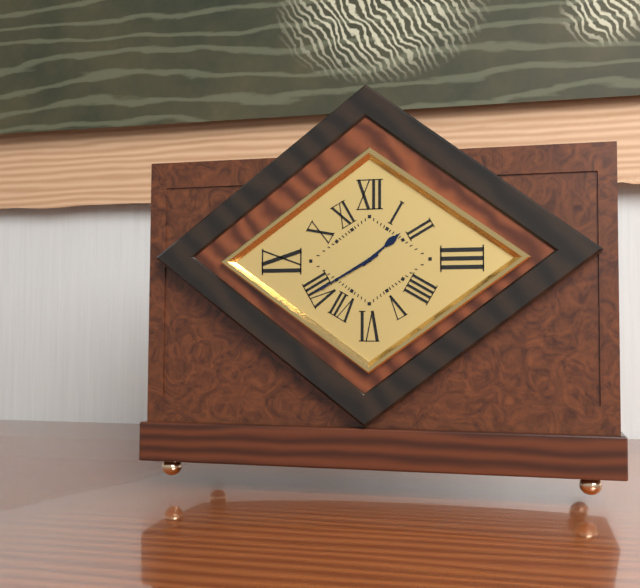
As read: {"hour": 1, "minute": 40}
